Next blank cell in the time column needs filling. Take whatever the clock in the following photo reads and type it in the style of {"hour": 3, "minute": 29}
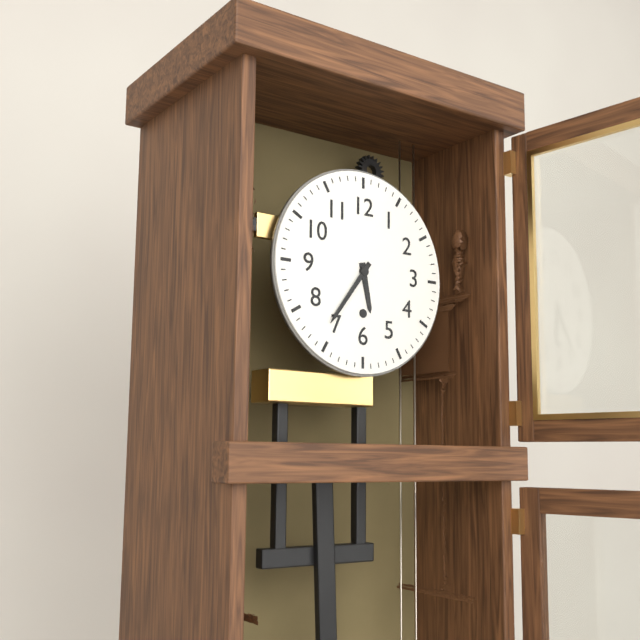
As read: {"hour": 5, "minute": 36}
